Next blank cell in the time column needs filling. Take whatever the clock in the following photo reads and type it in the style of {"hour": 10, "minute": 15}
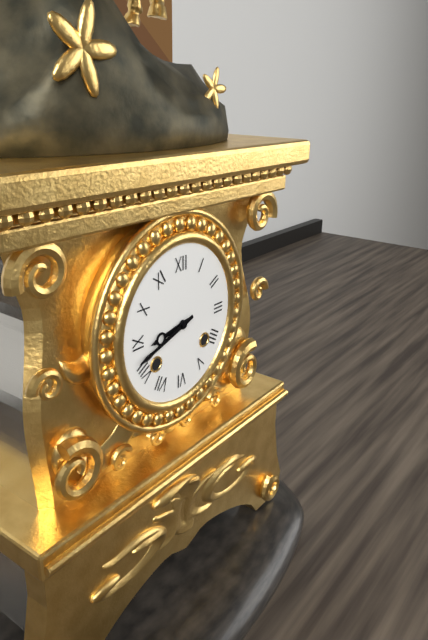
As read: {"hour": 8, "minute": 42}
